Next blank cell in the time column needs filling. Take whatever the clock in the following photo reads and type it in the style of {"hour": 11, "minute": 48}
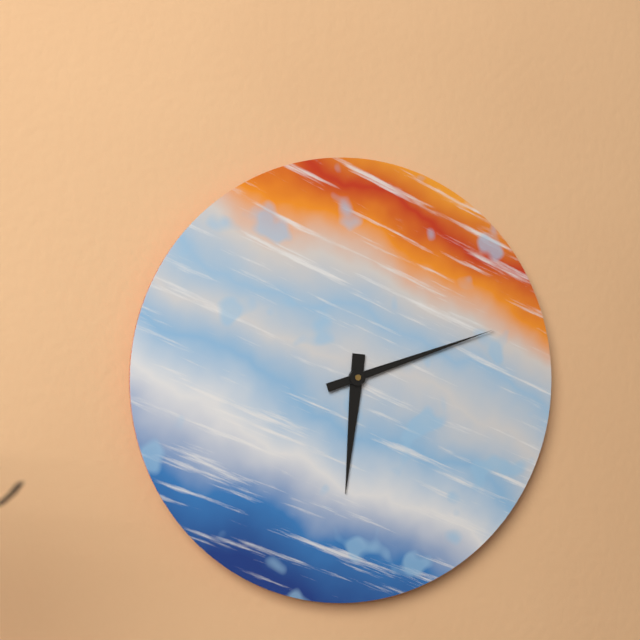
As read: {"hour": 6, "minute": 12}
